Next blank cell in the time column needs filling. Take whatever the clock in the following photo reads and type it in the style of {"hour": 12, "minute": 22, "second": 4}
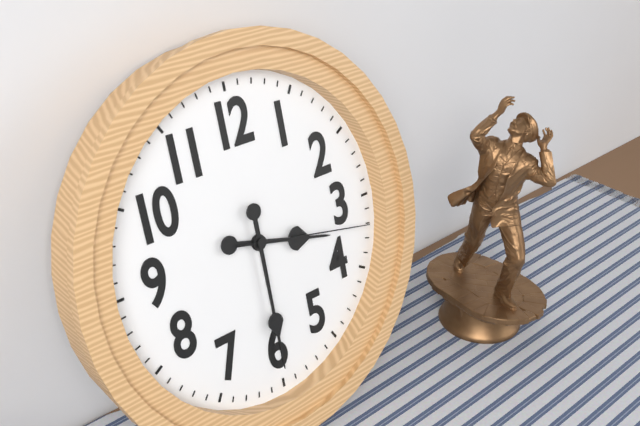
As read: {"hour": 3, "minute": 30, "second": 17}
